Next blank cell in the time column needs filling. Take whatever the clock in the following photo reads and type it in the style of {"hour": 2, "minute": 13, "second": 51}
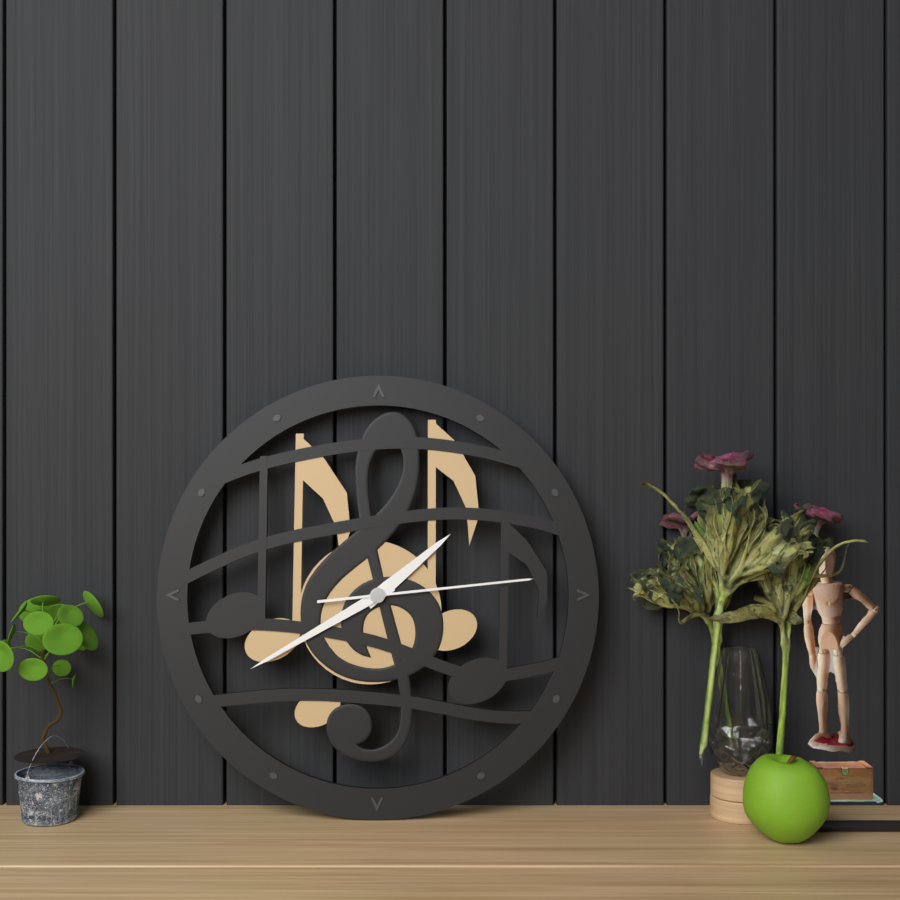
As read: {"hour": 1, "minute": 40, "second": 14}
